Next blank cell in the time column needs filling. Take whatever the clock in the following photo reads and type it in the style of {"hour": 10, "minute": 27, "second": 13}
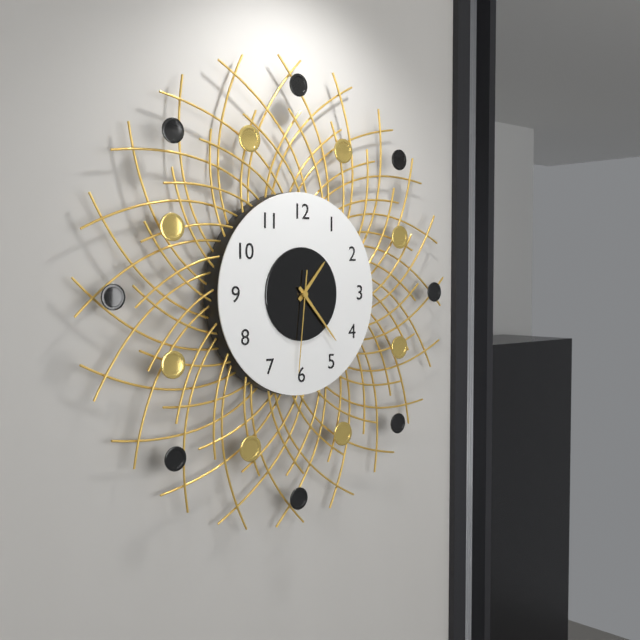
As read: {"hour": 1, "minute": 23, "second": 31}
